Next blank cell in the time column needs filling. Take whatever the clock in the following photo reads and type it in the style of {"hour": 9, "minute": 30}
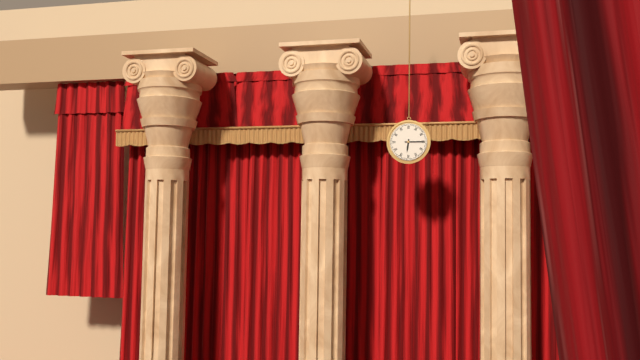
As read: {"hour": 6, "minute": 15}
